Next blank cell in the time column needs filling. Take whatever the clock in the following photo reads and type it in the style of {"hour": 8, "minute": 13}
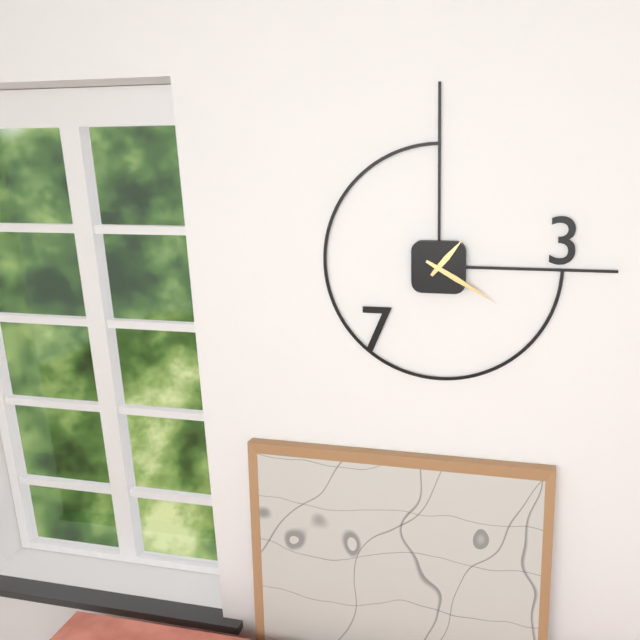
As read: {"hour": 1, "minute": 20}
